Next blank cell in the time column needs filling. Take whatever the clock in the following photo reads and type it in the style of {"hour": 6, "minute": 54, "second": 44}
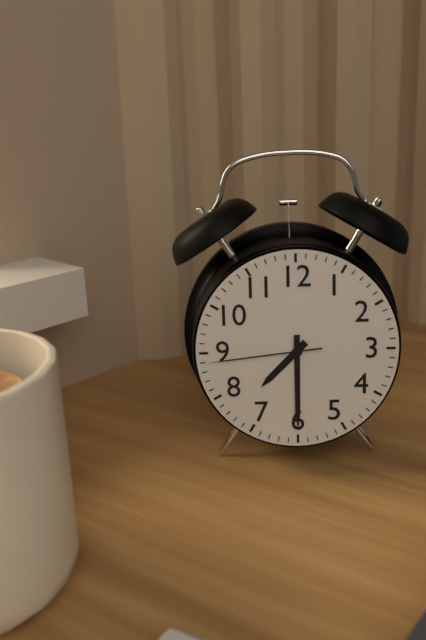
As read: {"hour": 7, "minute": 30, "second": 44}
